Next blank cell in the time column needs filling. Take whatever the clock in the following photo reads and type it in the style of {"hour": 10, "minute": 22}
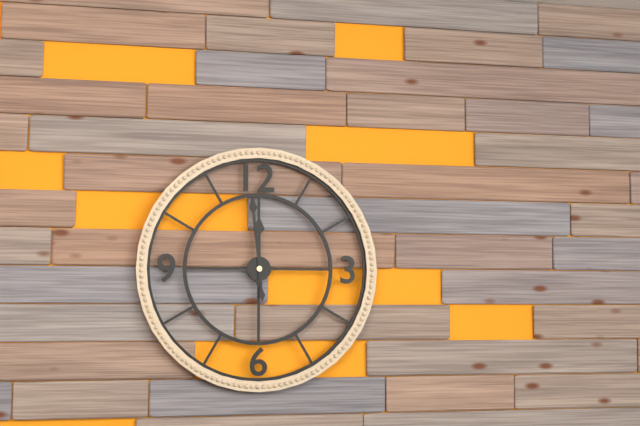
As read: {"hour": 11, "minute": 59}
